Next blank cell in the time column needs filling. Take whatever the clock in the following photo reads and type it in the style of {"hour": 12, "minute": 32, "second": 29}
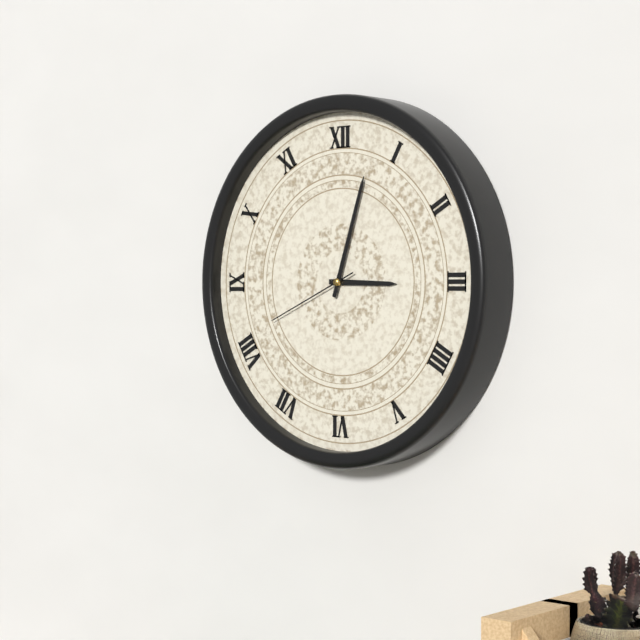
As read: {"hour": 3, "minute": 3, "second": 41}
